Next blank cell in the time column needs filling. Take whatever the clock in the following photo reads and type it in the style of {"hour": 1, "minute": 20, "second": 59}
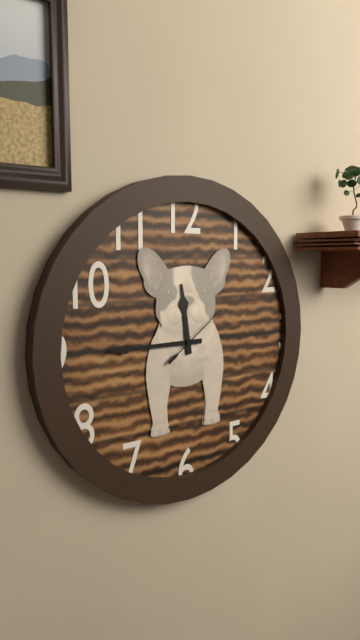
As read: {"hour": 11, "minute": 45, "second": 9}
